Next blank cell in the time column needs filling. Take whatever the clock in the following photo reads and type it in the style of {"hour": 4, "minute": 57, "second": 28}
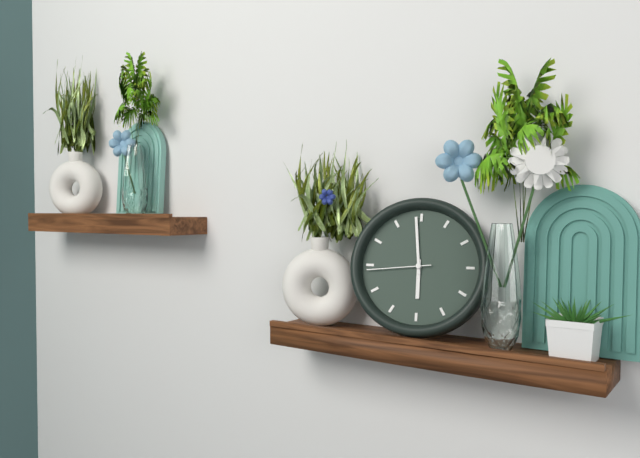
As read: {"hour": 5, "minute": 59, "second": 44}
